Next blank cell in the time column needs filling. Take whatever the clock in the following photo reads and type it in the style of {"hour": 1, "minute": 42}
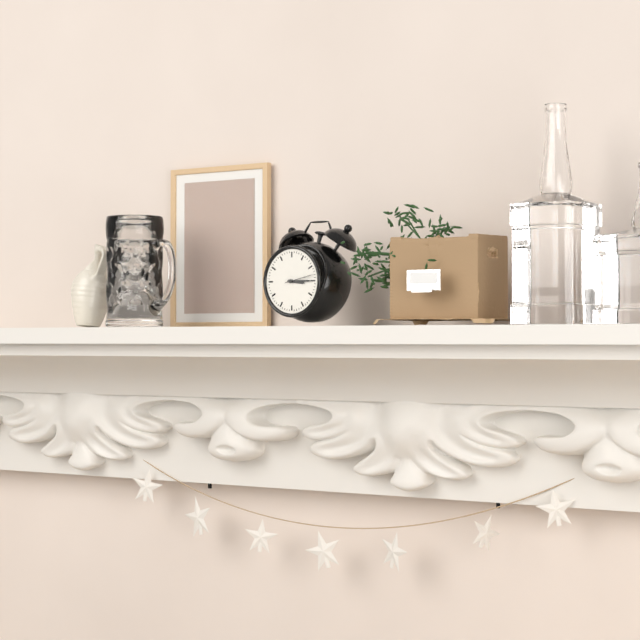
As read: {"hour": 3, "minute": 15}
